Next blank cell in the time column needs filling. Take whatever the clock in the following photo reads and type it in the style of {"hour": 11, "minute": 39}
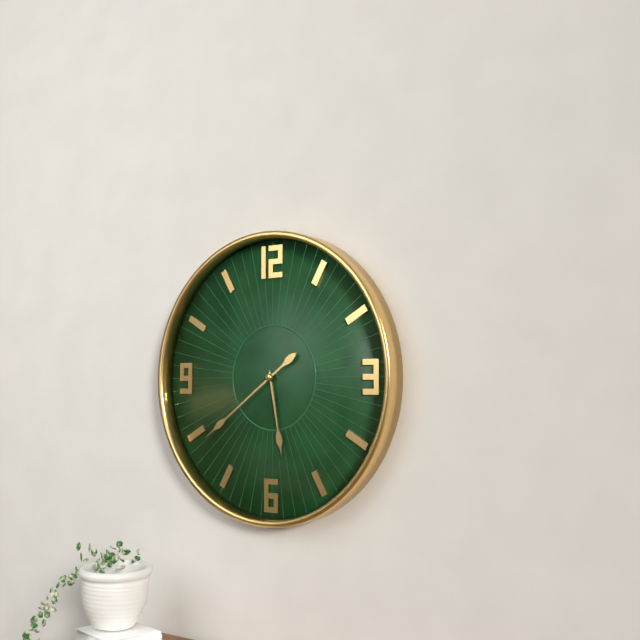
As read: {"hour": 5, "minute": 39}
